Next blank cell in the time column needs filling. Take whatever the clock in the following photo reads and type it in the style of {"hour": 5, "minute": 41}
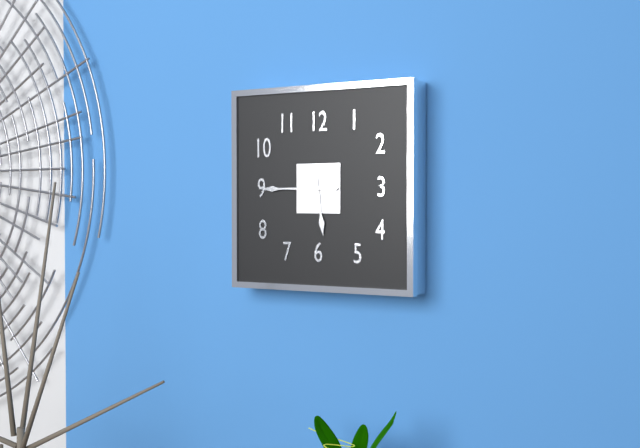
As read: {"hour": 5, "minute": 45}
